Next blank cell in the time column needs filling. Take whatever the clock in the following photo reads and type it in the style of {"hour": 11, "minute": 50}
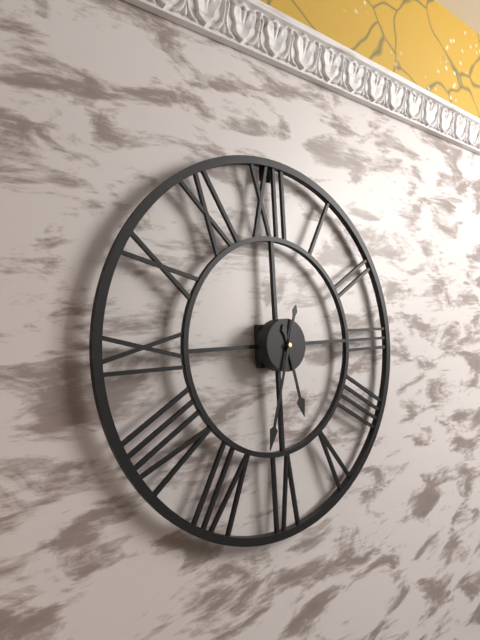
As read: {"hour": 5, "minute": 33}
